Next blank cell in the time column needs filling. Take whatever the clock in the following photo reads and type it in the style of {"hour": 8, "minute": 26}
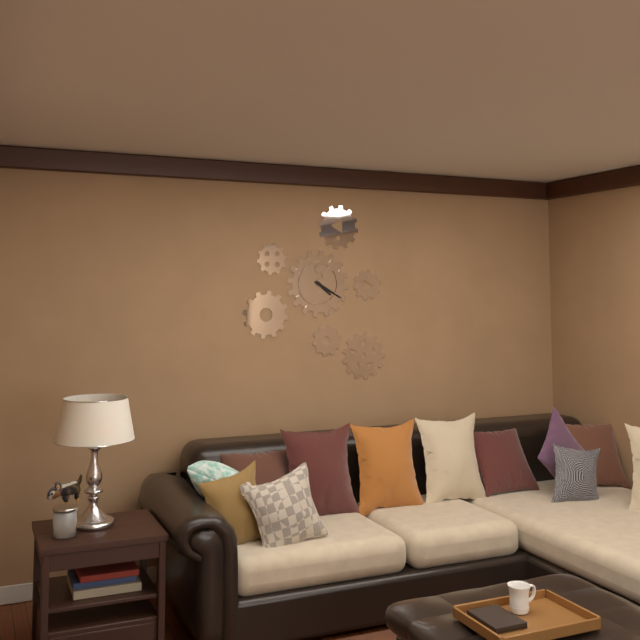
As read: {"hour": 4, "minute": 20}
